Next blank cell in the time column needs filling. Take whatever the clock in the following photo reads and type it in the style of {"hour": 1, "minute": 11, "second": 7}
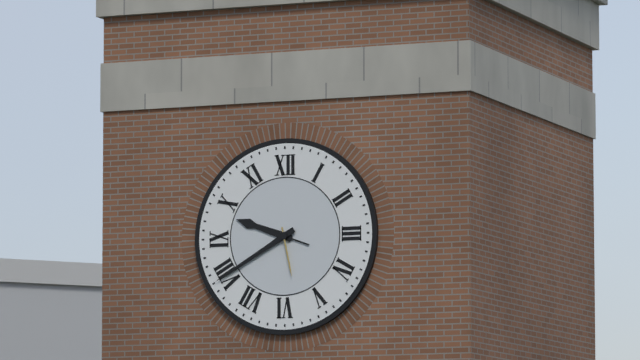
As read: {"hour": 9, "minute": 40, "second": 28}
